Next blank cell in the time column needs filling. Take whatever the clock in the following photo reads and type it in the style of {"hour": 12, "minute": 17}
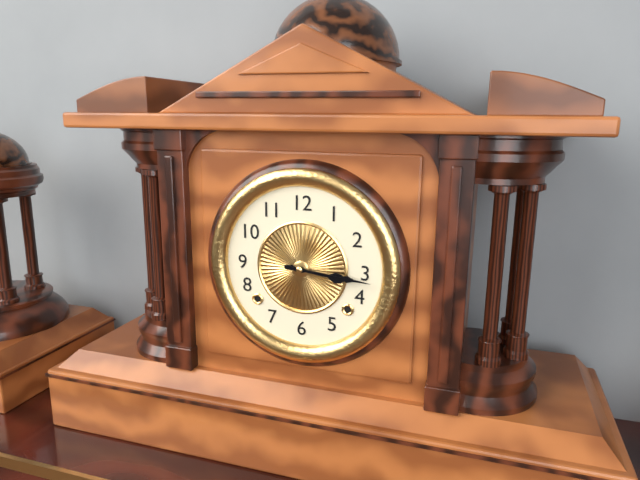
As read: {"hour": 3, "minute": 16}
